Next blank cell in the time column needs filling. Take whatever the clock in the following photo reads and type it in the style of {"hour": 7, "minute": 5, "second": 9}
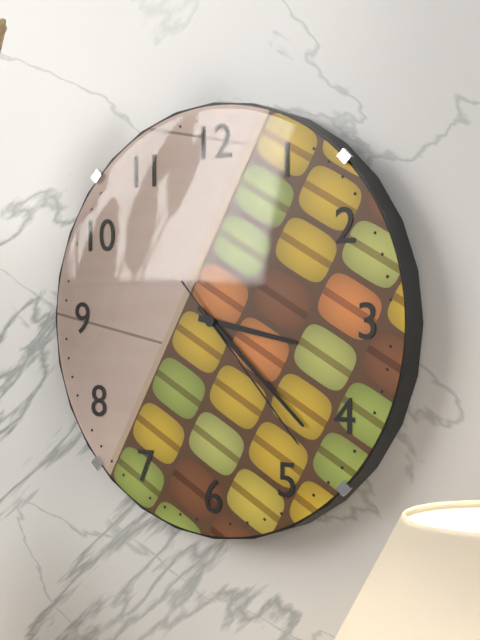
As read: {"hour": 3, "minute": 22, "second": 23}
